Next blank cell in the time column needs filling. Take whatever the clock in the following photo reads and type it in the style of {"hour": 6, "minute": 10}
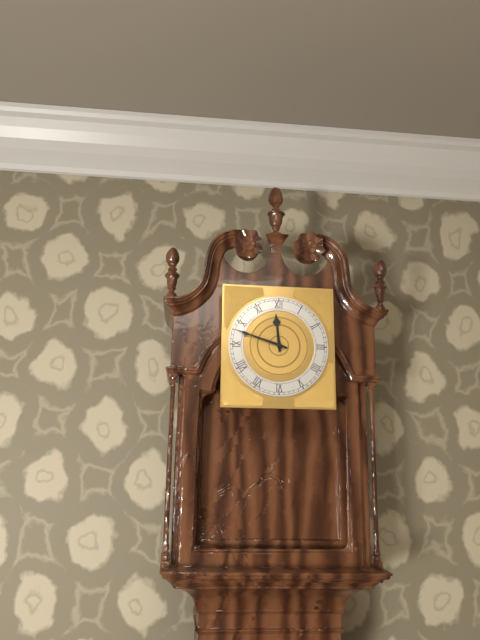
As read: {"hour": 11, "minute": 48}
